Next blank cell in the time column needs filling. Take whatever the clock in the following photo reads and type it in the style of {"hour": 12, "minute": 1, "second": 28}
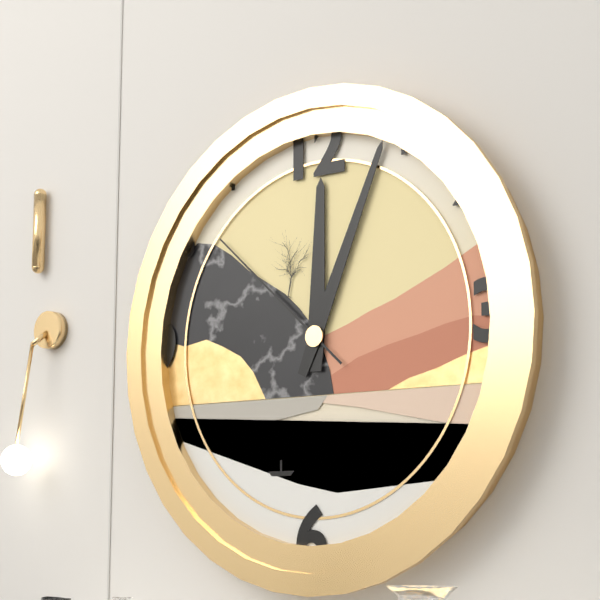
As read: {"hour": 12, "minute": 4, "second": 52}
